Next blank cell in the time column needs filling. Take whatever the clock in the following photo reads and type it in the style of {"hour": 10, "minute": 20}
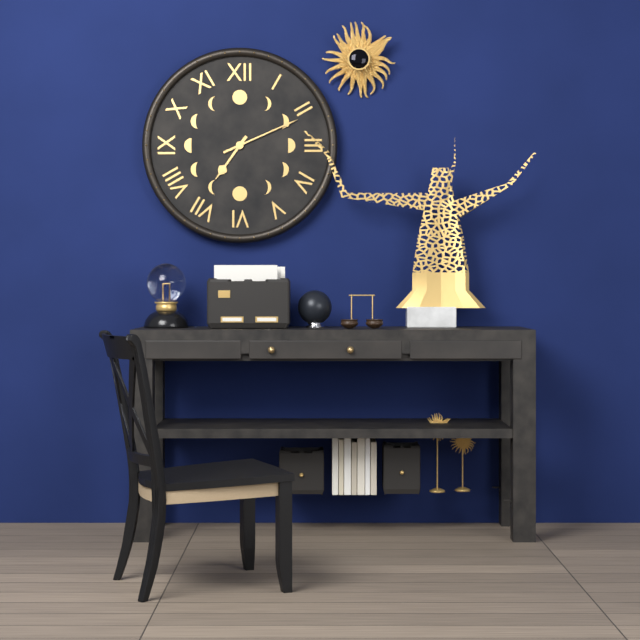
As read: {"hour": 7, "minute": 11}
